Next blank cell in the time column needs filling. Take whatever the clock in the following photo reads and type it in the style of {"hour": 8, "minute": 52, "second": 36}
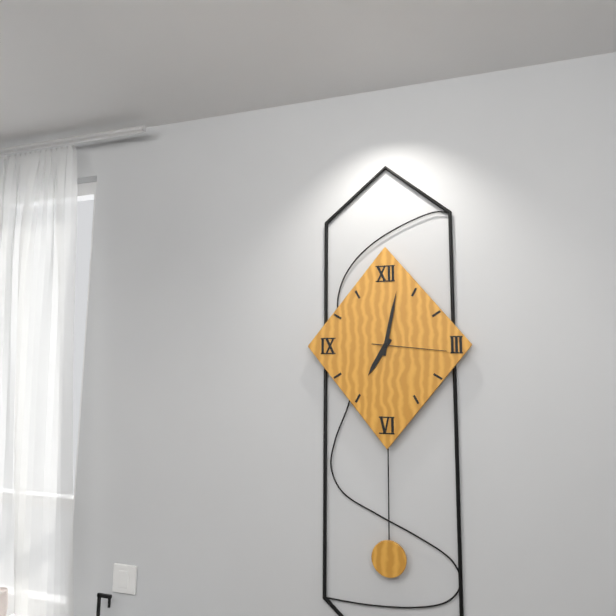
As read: {"hour": 7, "minute": 2, "second": 16}
